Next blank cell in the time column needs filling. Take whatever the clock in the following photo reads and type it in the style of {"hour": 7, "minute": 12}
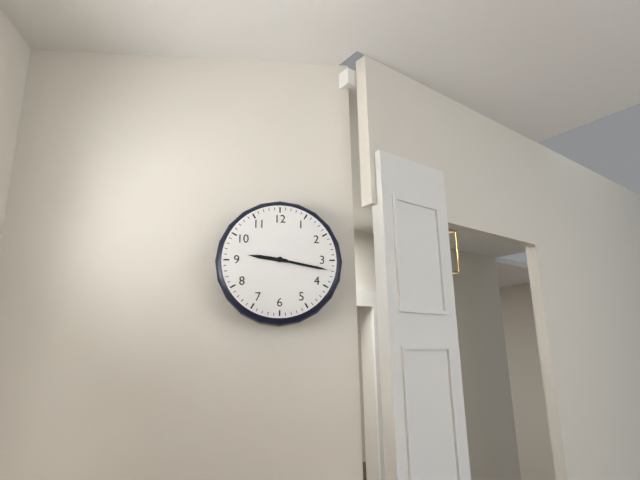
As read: {"hour": 9, "minute": 17}
